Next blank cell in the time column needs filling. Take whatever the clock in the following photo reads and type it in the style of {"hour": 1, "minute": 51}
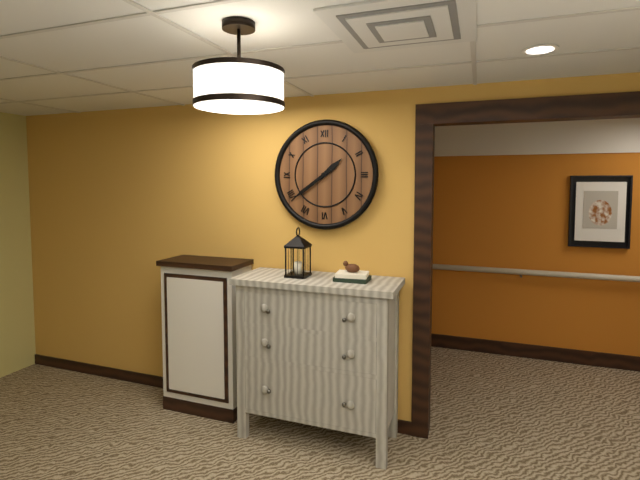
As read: {"hour": 1, "minute": 39}
